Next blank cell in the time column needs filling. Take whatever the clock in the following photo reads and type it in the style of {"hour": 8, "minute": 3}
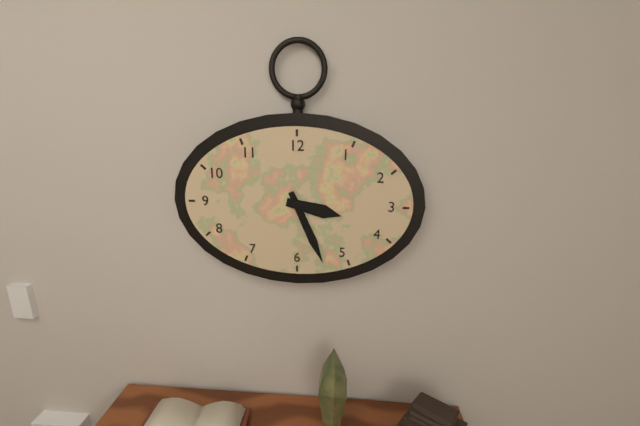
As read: {"hour": 3, "minute": 26}
